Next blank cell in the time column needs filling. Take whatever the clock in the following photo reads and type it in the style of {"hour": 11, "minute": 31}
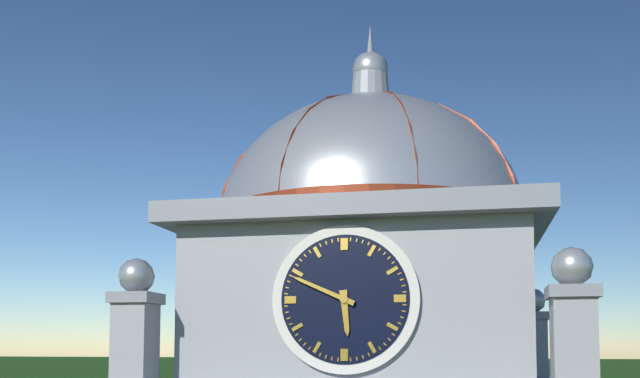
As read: {"hour": 5, "minute": 49}
